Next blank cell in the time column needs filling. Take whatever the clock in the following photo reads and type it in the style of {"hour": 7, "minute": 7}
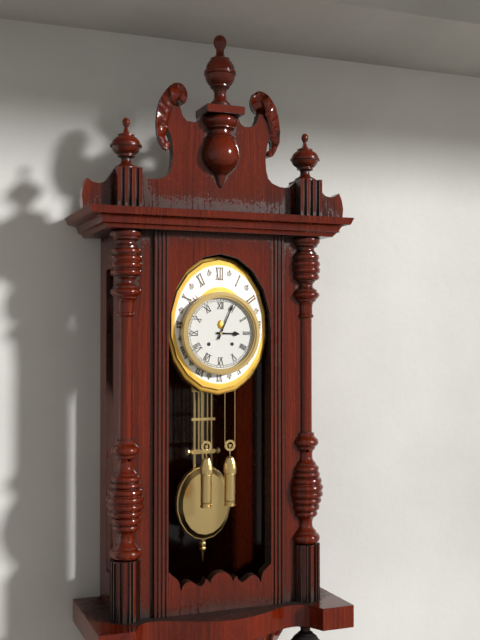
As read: {"hour": 3, "minute": 4}
